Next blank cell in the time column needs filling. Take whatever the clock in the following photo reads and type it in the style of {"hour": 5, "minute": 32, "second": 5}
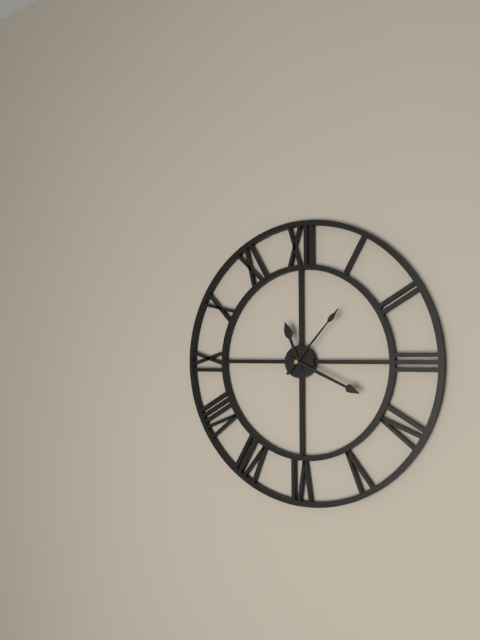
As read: {"hour": 11, "minute": 19, "second": 7}
